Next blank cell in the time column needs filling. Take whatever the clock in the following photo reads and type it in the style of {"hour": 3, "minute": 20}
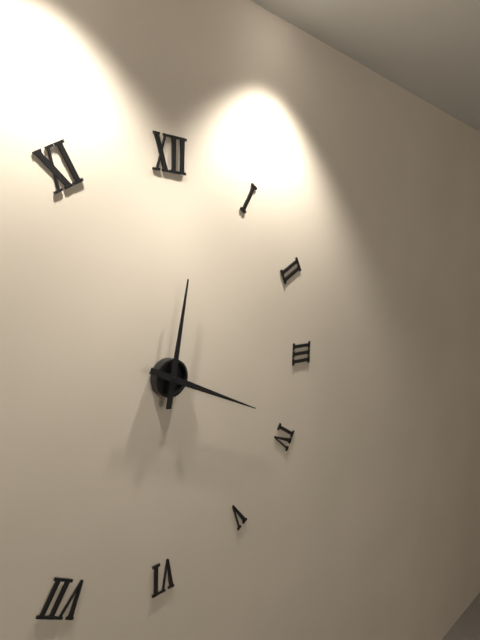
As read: {"hour": 12, "minute": 19}
